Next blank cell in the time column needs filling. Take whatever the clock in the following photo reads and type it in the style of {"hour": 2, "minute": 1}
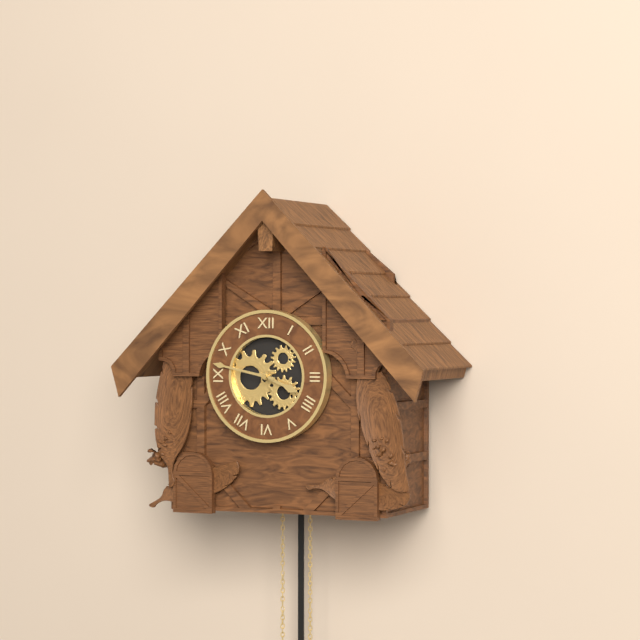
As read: {"hour": 3, "minute": 47}
